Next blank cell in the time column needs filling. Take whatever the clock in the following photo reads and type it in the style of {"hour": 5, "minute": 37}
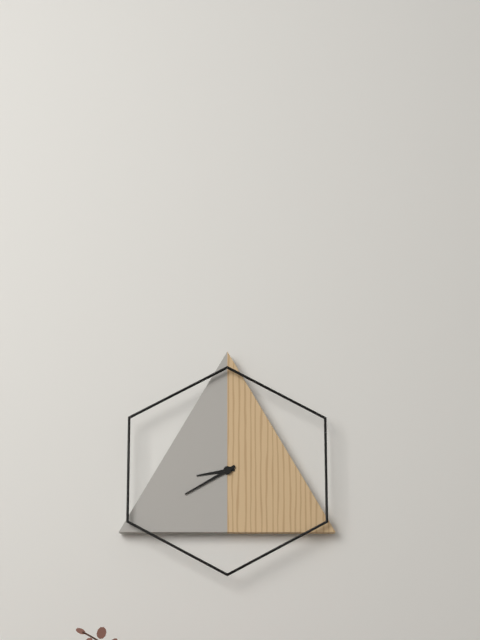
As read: {"hour": 8, "minute": 40}
